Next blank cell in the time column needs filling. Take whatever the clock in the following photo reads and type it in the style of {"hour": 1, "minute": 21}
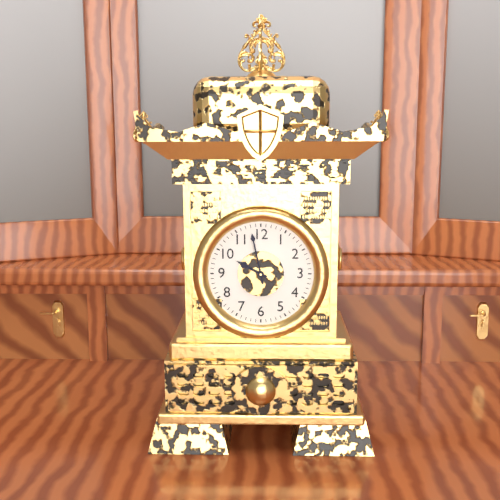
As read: {"hour": 9, "minute": 58}
